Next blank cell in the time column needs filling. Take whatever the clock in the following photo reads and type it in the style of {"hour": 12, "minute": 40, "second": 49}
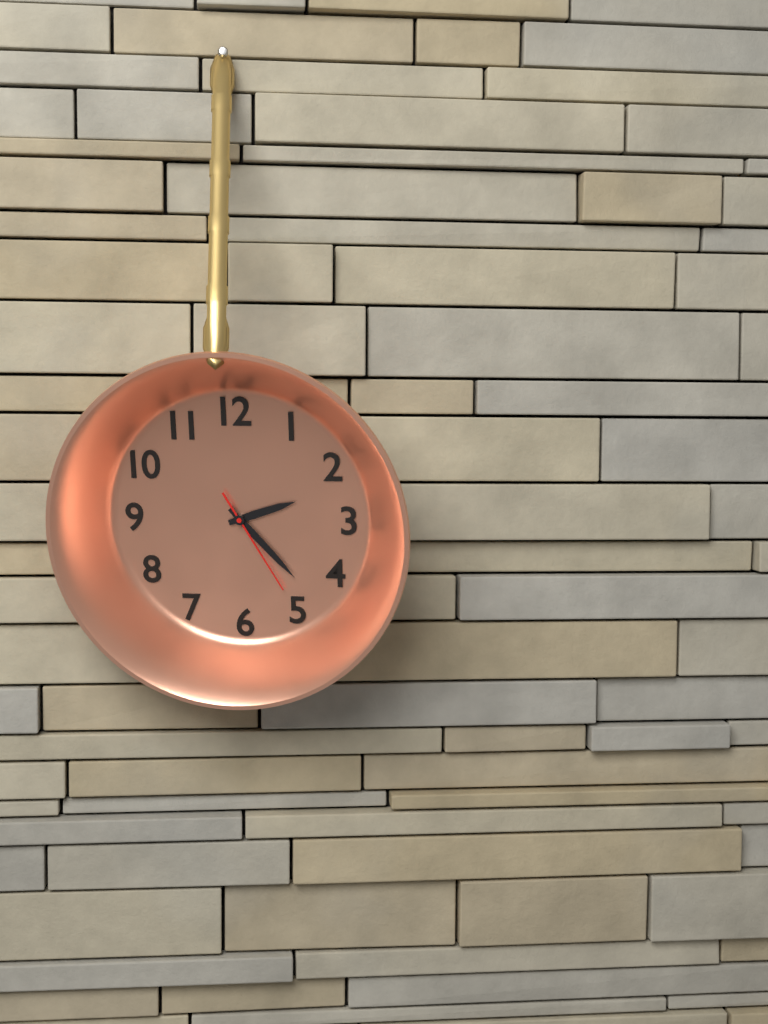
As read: {"hour": 2, "minute": 23, "second": 25}
